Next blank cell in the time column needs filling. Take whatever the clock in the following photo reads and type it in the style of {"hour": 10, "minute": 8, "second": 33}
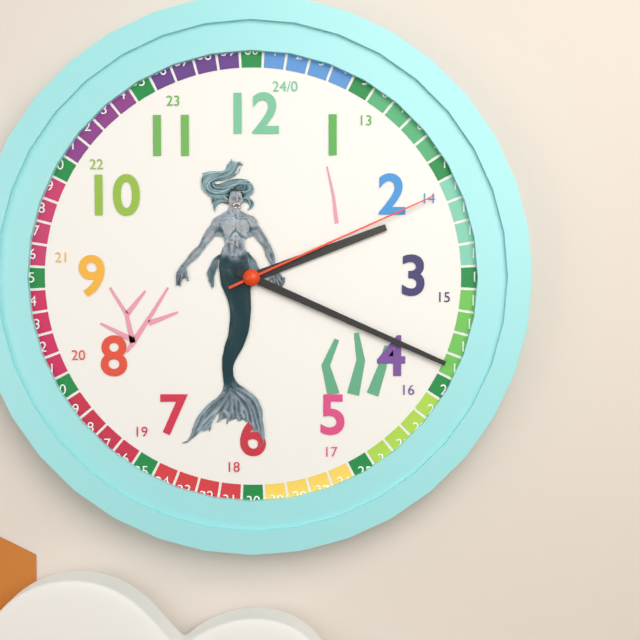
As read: {"hour": 2, "minute": 19, "second": 11}
